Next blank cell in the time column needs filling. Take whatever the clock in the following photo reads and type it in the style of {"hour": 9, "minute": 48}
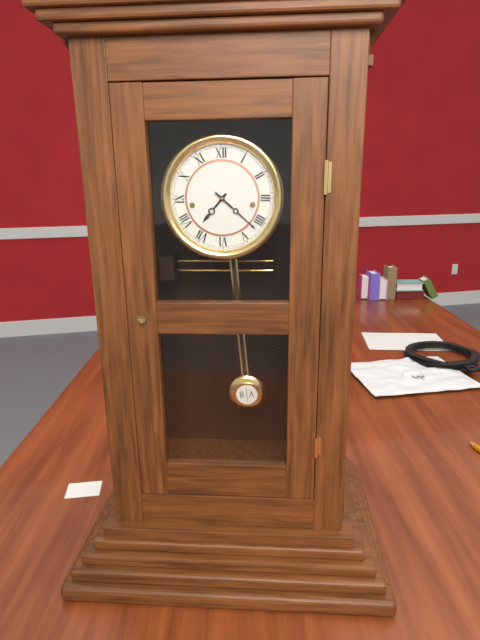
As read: {"hour": 7, "minute": 22}
